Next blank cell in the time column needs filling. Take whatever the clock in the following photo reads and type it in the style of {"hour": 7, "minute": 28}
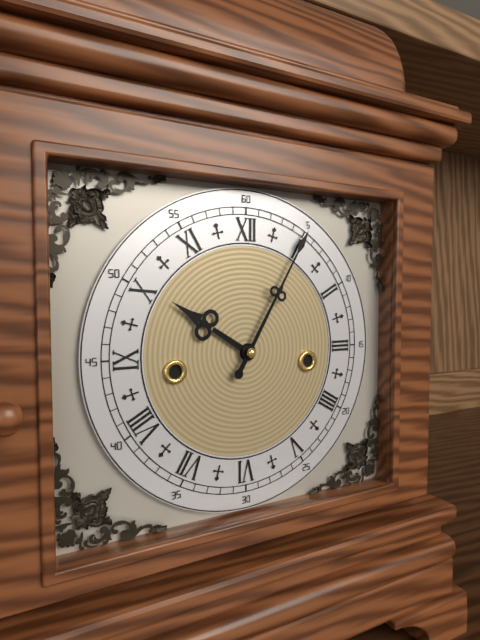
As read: {"hour": 10, "minute": 5}
